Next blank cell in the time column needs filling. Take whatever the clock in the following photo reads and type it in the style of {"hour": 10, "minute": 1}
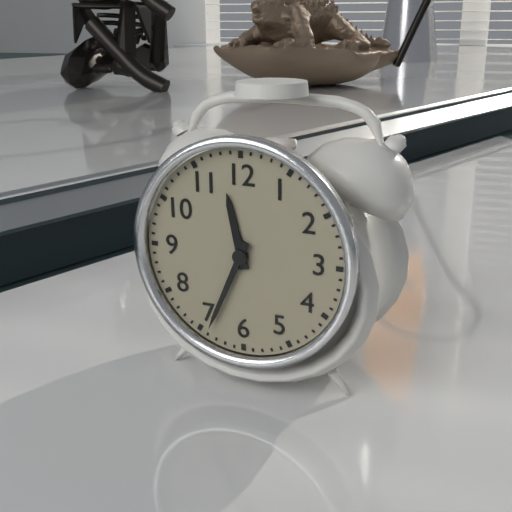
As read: {"hour": 11, "minute": 34}
